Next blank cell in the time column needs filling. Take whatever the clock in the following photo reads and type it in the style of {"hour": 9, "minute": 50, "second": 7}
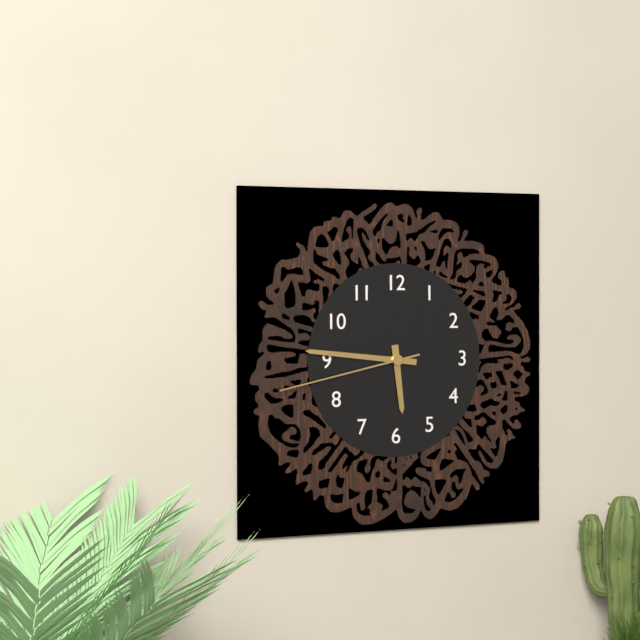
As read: {"hour": 5, "minute": 46, "second": 43}
